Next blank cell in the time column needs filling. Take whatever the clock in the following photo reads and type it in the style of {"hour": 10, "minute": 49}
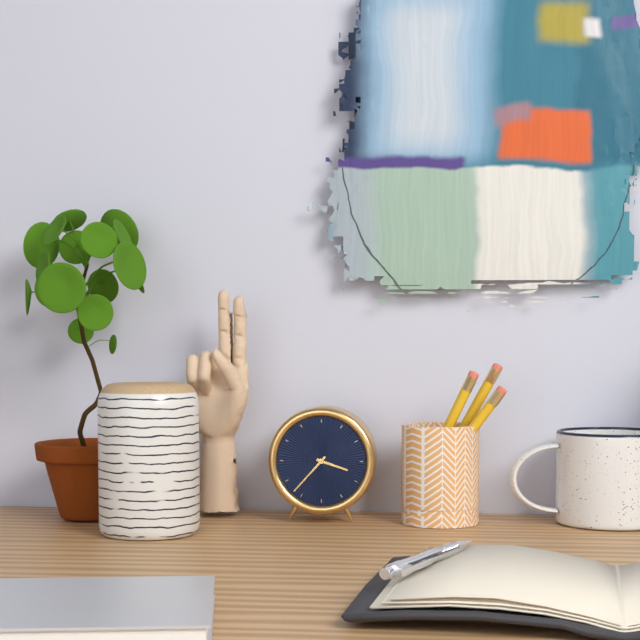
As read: {"hour": 3, "minute": 37}
